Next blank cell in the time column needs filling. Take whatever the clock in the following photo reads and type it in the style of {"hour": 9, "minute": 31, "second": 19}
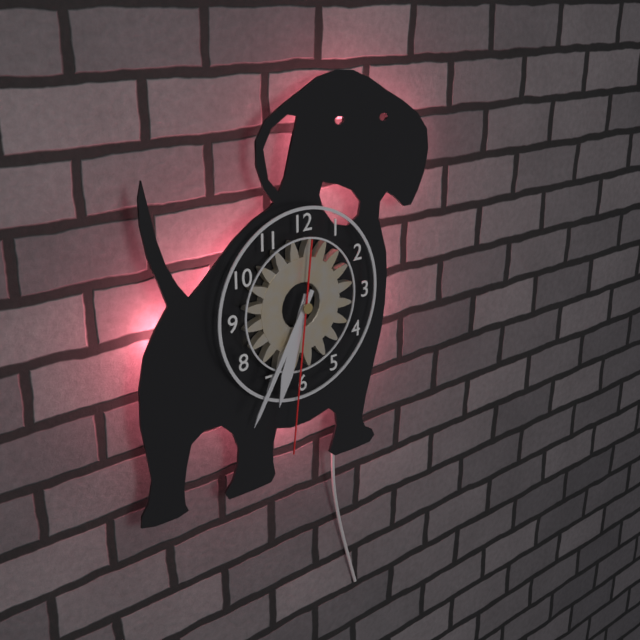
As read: {"hour": 6, "minute": 35, "second": 31}
